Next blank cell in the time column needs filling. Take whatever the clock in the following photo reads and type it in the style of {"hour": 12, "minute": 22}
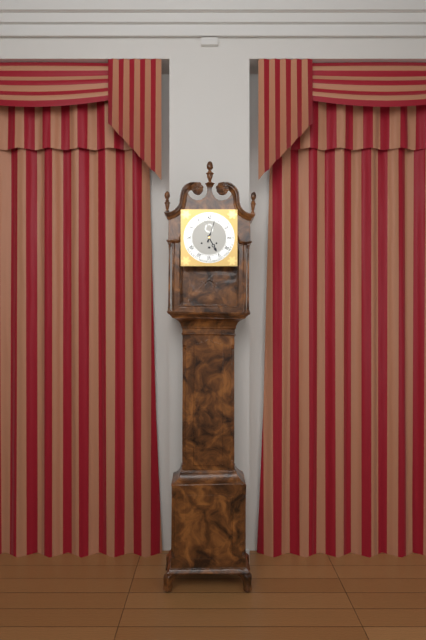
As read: {"hour": 5, "minute": 3}
